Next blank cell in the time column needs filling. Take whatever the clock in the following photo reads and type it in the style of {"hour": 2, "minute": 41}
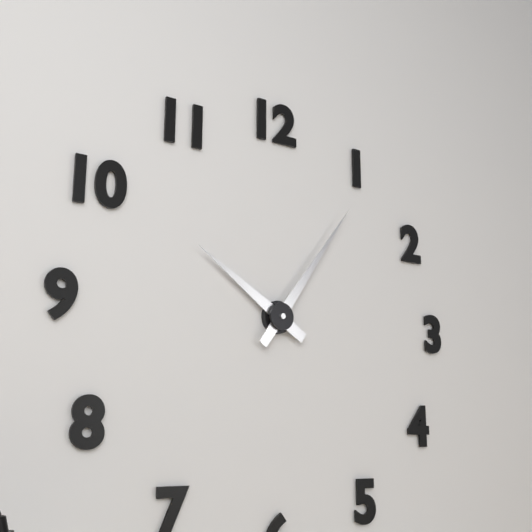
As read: {"hour": 10, "minute": 6}
